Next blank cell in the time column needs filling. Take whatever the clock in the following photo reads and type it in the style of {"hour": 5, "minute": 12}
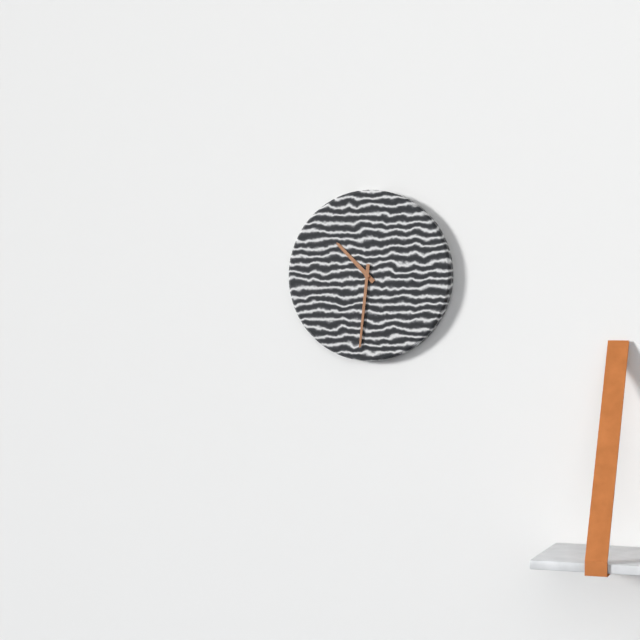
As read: {"hour": 10, "minute": 31}
